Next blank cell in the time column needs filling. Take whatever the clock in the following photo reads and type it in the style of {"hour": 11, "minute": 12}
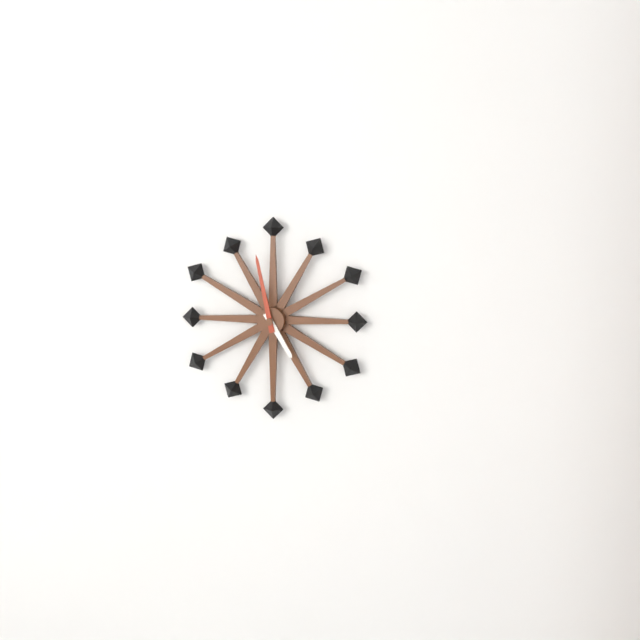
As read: {"hour": 4, "minute": 58}
